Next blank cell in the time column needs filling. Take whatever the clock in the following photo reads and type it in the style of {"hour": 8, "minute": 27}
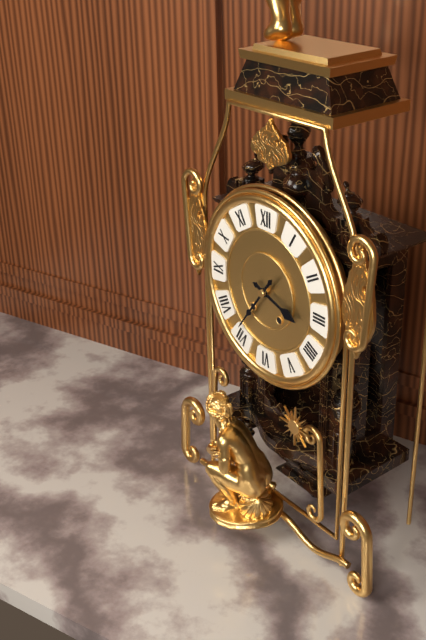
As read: {"hour": 3, "minute": 36}
